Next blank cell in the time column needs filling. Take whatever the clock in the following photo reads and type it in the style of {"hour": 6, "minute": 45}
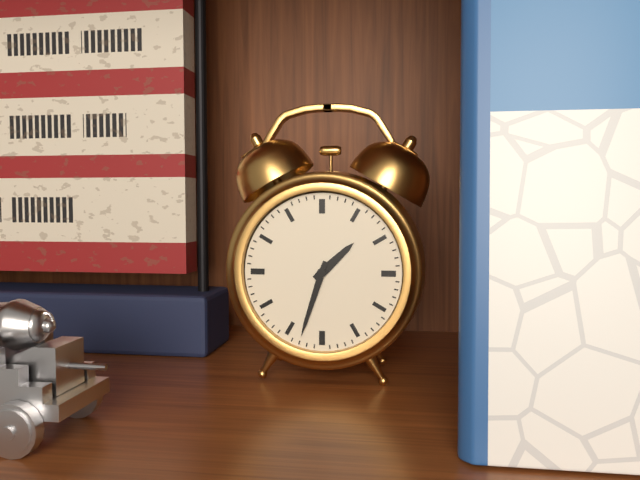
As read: {"hour": 1, "minute": 33}
